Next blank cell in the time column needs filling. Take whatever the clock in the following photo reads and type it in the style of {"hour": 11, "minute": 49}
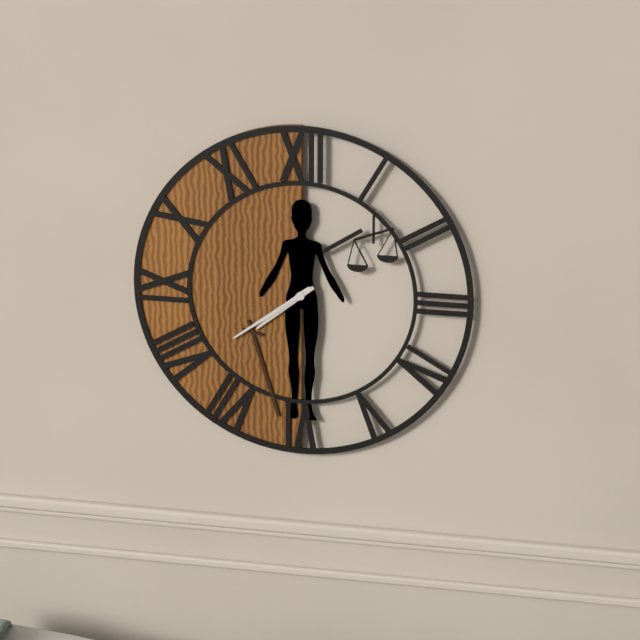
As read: {"hour": 7, "minute": 39}
